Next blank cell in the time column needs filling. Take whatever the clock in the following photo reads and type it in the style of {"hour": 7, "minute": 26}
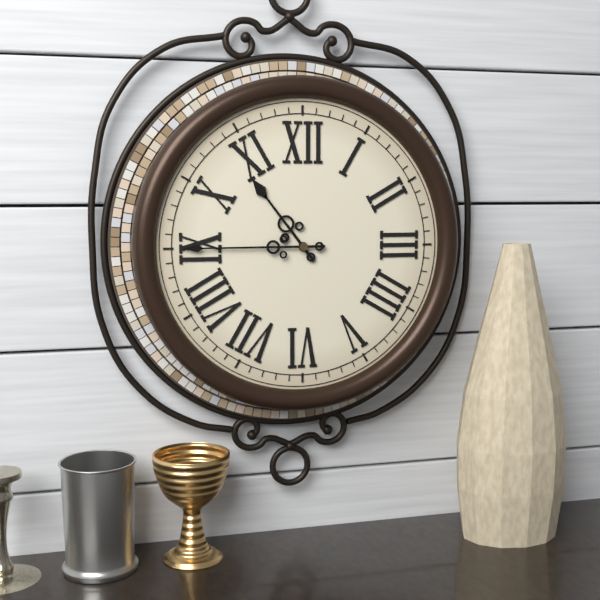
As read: {"hour": 10, "minute": 45}
